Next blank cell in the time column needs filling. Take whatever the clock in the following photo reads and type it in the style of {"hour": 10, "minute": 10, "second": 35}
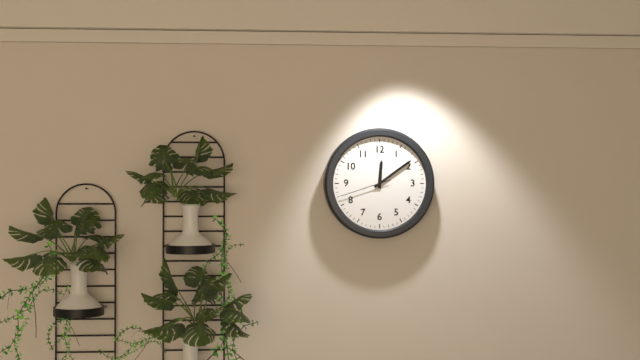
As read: {"hour": 12, "minute": 9, "second": 42}
